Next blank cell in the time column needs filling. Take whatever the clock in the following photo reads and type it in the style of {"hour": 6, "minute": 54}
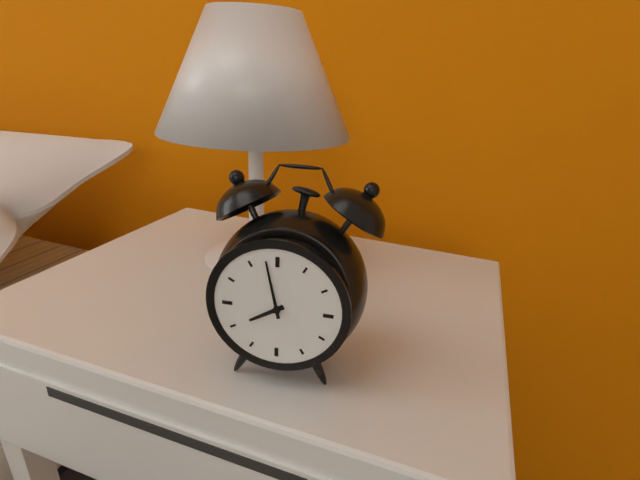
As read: {"hour": 7, "minute": 58}
